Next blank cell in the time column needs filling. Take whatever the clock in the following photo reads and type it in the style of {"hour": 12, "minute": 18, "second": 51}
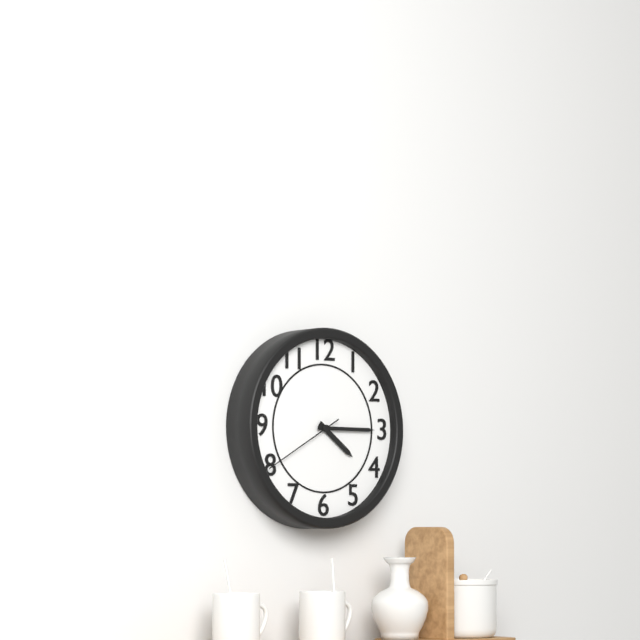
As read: {"hour": 4, "minute": 15, "second": 40}
